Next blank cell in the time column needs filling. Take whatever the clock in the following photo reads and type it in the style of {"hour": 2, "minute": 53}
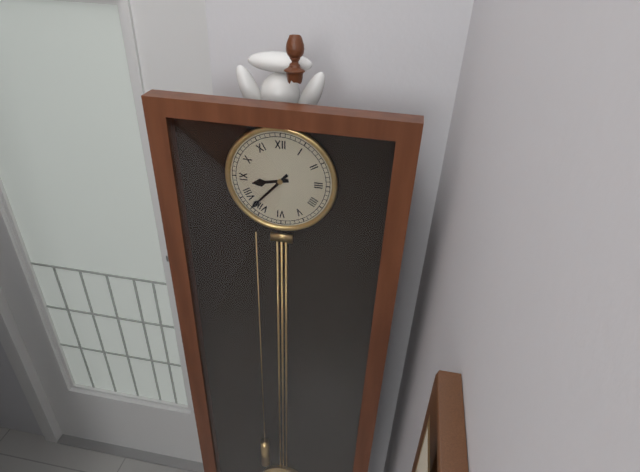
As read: {"hour": 8, "minute": 37}
